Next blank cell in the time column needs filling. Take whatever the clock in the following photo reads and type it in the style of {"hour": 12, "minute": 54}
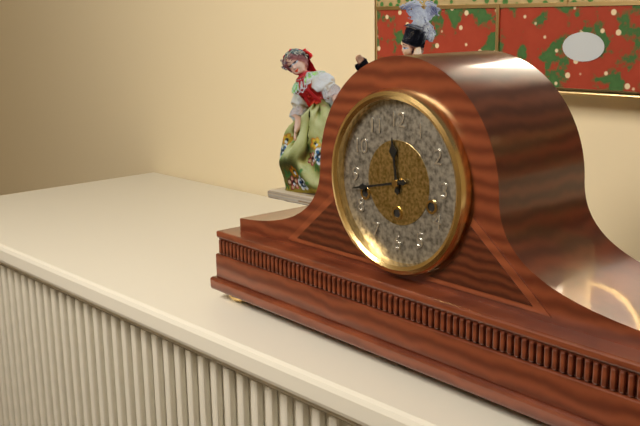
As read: {"hour": 11, "minute": 43}
